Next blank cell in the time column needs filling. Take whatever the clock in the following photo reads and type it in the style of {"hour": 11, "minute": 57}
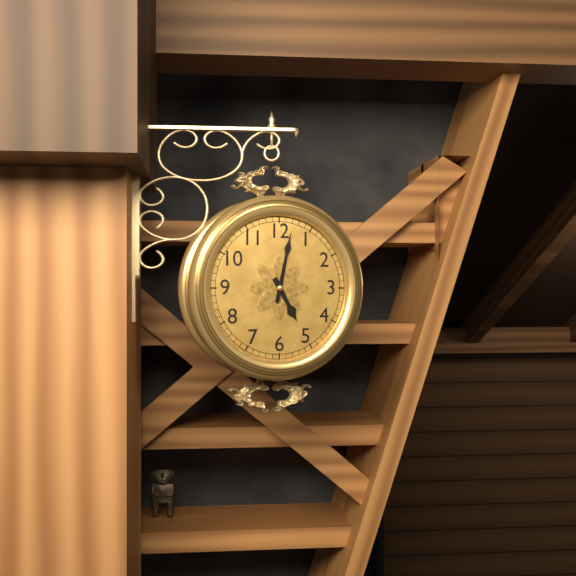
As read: {"hour": 5, "minute": 2}
